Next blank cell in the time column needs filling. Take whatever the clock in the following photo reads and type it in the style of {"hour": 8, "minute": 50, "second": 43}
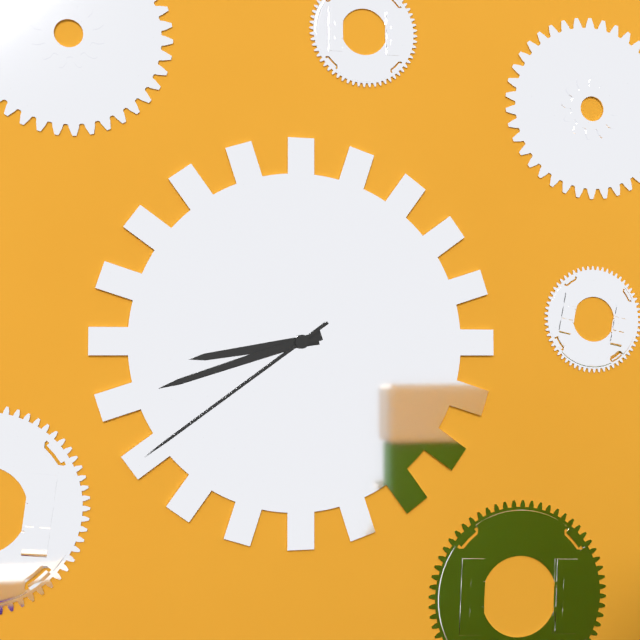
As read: {"hour": 8, "minute": 42, "second": 39}
